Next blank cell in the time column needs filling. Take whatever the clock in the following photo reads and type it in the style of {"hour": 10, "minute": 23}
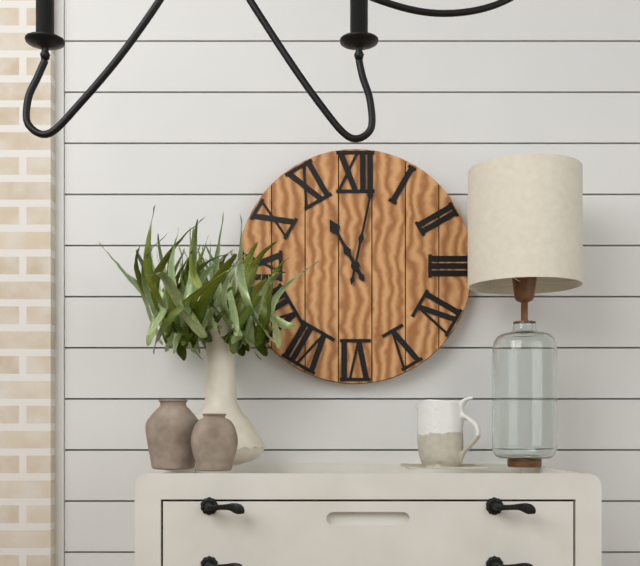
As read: {"hour": 11, "minute": 2}
